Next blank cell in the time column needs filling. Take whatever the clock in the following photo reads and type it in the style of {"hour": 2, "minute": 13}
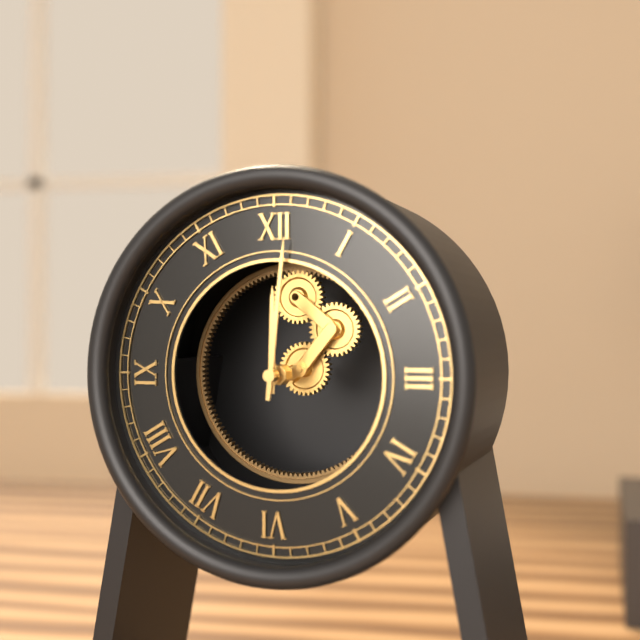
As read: {"hour": 12, "minute": 1}
